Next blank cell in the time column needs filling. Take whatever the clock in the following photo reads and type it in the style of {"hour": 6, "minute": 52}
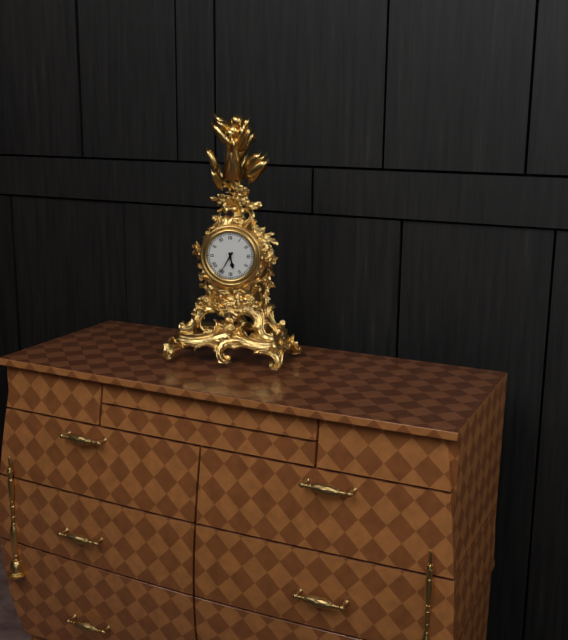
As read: {"hour": 5, "minute": 35}
